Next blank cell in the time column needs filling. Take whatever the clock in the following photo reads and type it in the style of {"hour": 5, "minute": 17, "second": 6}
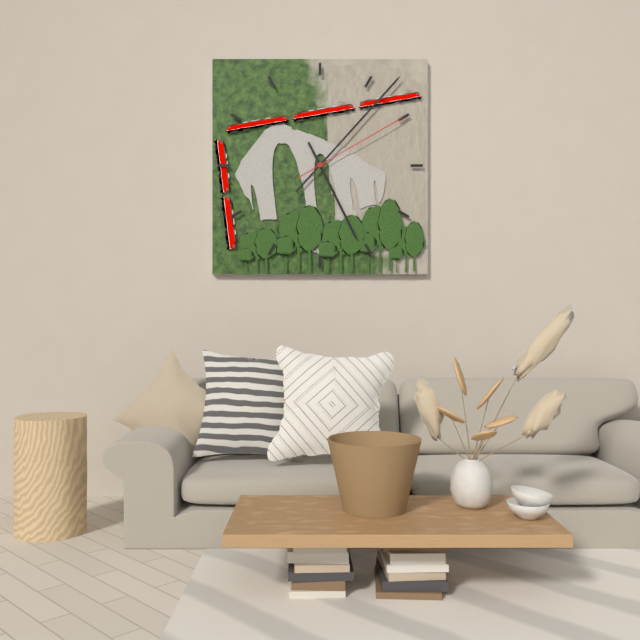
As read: {"hour": 5, "minute": 7, "second": 10}
